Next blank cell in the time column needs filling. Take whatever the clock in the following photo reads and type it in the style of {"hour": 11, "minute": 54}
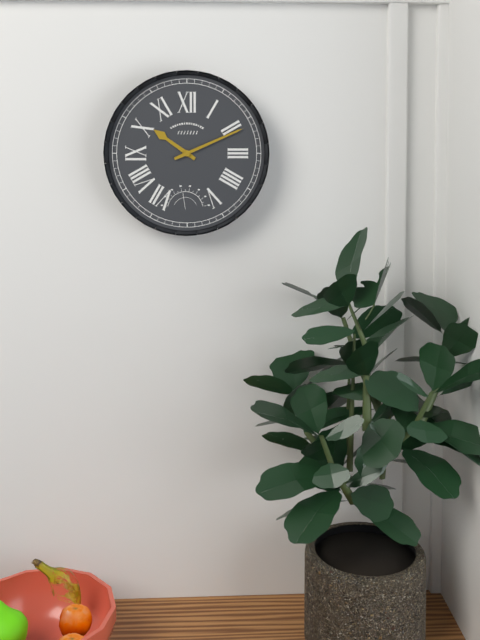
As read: {"hour": 10, "minute": 11}
